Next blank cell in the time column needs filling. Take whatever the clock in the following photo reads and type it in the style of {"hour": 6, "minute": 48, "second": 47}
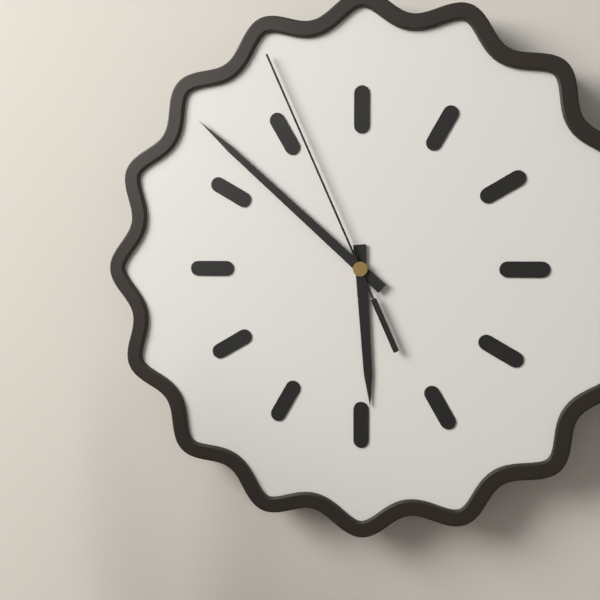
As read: {"hour": 5, "minute": 52, "second": 56}
